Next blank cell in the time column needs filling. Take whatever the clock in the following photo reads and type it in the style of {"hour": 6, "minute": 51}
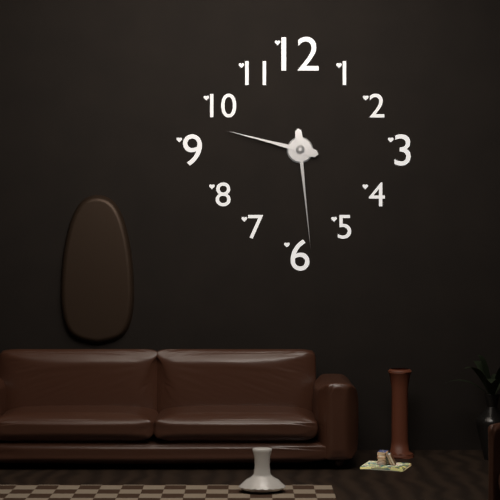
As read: {"hour": 9, "minute": 29}
